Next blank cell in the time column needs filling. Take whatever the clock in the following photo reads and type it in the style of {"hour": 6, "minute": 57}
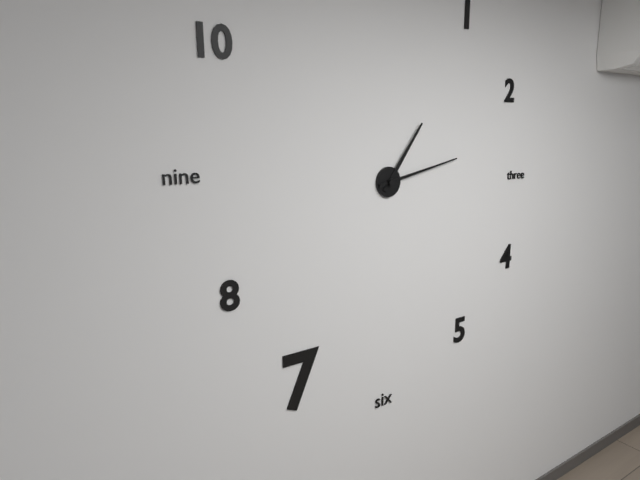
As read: {"hour": 1, "minute": 13}
